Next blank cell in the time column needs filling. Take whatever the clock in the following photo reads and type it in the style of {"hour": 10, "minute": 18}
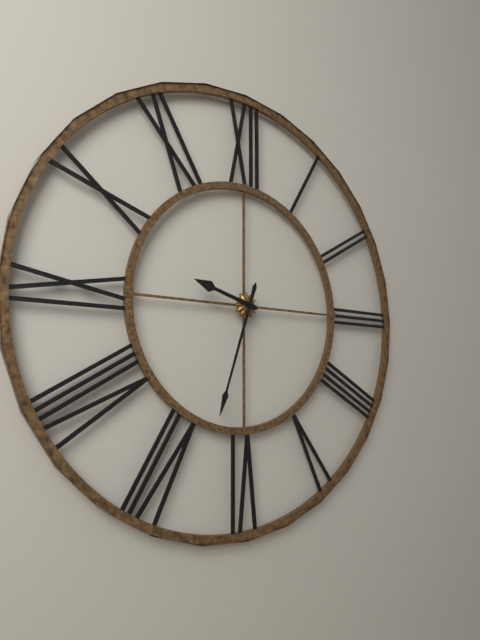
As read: {"hour": 9, "minute": 33}
